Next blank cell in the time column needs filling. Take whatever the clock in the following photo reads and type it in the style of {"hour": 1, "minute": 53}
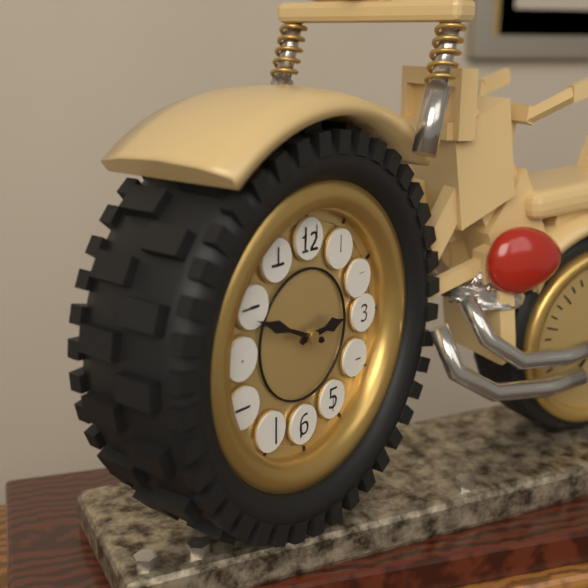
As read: {"hour": 2, "minute": 49}
